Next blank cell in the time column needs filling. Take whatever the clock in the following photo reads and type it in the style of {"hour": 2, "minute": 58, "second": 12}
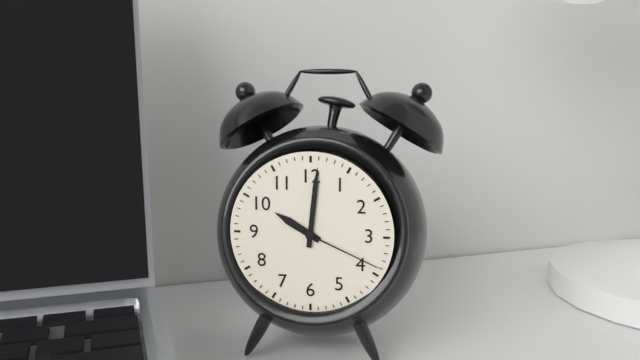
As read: {"hour": 10, "minute": 1, "second": 19}
